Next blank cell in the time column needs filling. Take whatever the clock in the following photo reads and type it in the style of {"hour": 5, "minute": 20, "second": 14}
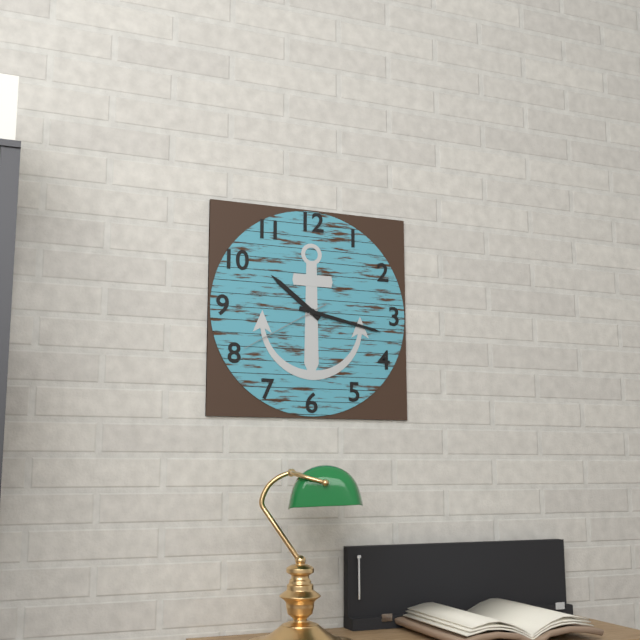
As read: {"hour": 10, "minute": 17, "second": 40}
